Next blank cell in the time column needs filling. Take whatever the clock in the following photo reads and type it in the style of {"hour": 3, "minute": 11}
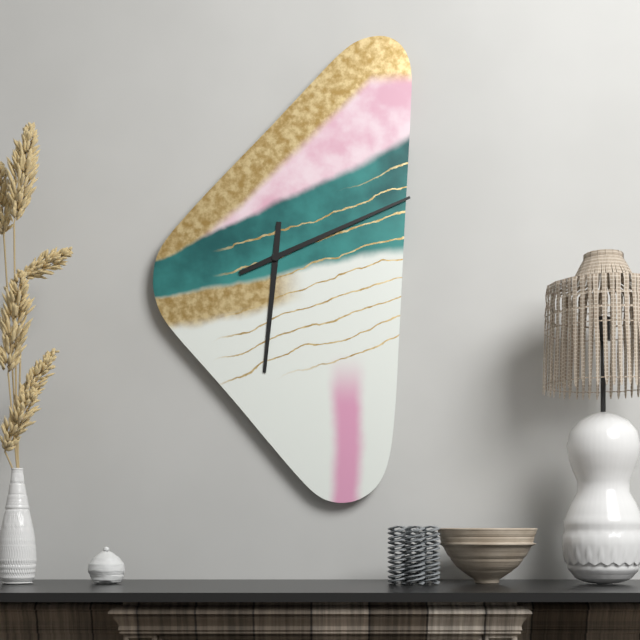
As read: {"hour": 6, "minute": 11}
